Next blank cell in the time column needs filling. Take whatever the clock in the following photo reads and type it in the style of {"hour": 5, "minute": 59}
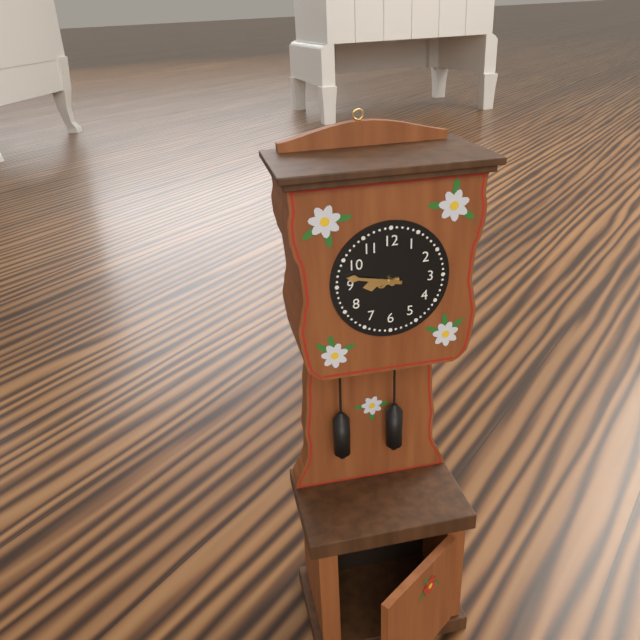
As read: {"hour": 8, "minute": 47}
